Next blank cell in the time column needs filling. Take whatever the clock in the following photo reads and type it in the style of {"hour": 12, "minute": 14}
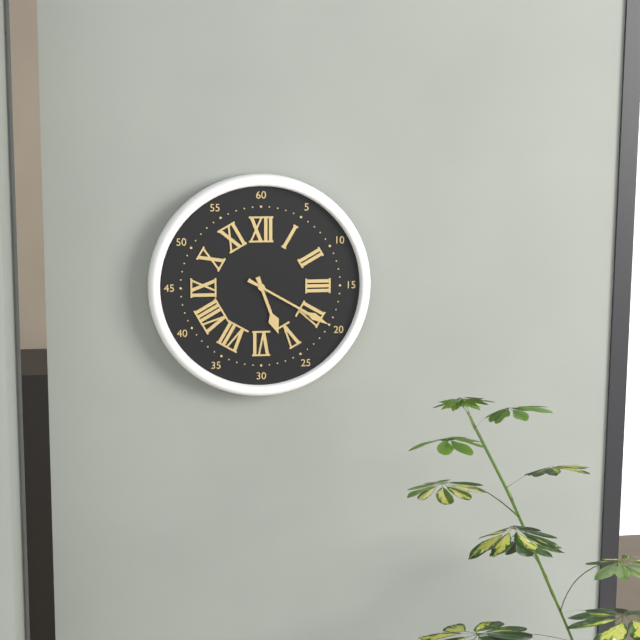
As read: {"hour": 5, "minute": 20}
